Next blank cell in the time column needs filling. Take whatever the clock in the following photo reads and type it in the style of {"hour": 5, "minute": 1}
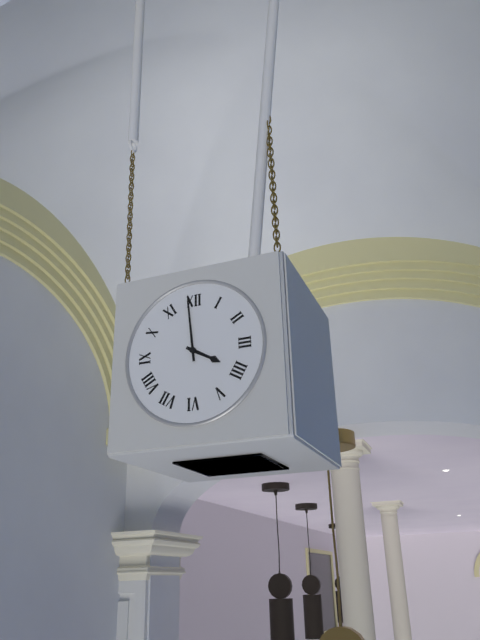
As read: {"hour": 3, "minute": 59}
